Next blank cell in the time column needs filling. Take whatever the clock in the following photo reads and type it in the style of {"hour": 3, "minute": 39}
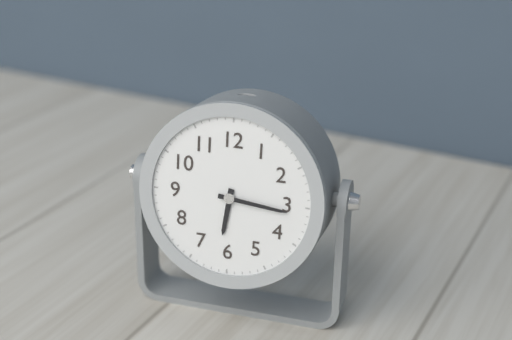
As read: {"hour": 6, "minute": 16}
